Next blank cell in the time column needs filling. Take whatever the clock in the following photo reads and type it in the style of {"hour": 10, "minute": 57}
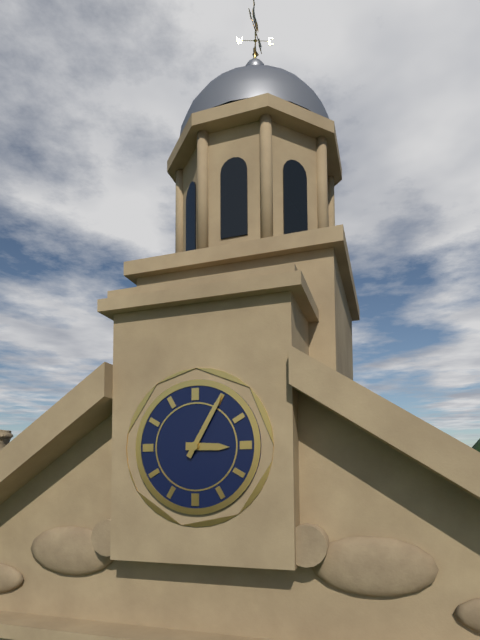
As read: {"hour": 3, "minute": 5}
